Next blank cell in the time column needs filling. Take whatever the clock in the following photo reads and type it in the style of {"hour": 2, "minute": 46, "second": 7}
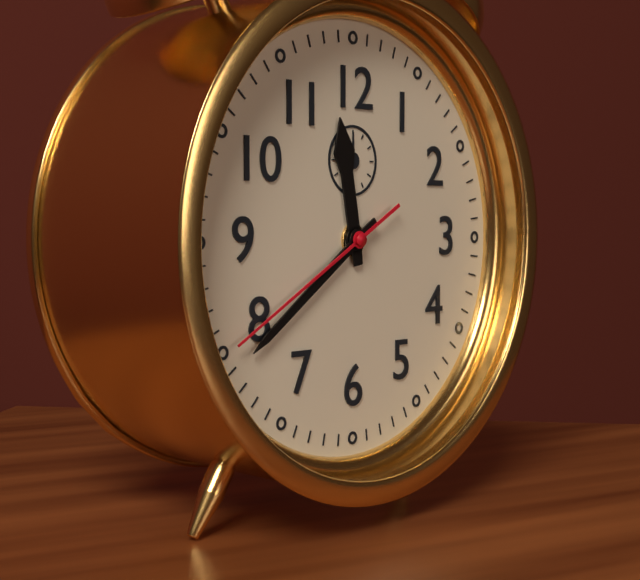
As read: {"hour": 11, "minute": 39, "second": 40}
